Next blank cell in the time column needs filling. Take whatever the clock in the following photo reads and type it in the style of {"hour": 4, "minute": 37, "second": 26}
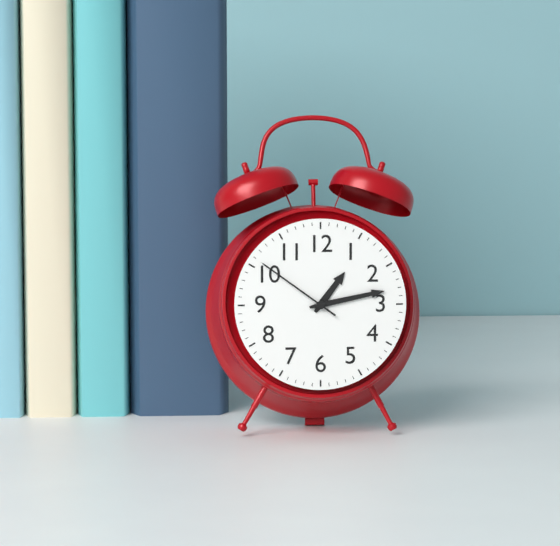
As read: {"hour": 1, "minute": 13, "second": 51}
